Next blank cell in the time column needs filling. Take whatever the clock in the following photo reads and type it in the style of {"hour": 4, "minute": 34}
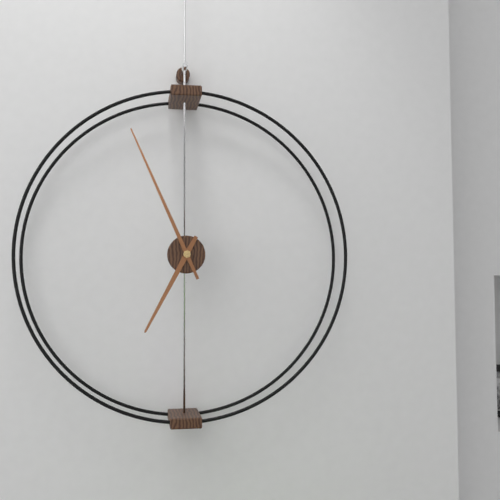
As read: {"hour": 6, "minute": 56}
